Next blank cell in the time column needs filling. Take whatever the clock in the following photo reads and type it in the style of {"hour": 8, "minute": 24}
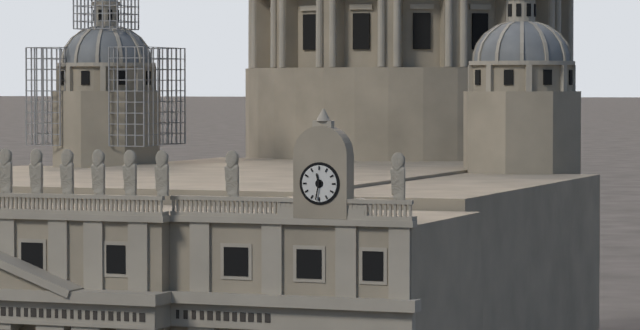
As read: {"hour": 11, "minute": 32}
